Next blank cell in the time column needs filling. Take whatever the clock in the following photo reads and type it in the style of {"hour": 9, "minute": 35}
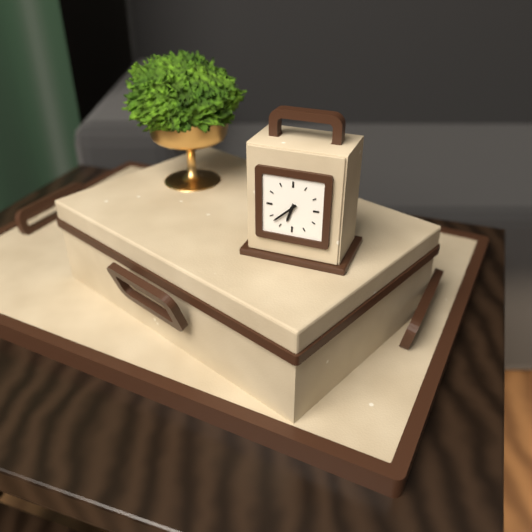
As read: {"hour": 6, "minute": 38}
